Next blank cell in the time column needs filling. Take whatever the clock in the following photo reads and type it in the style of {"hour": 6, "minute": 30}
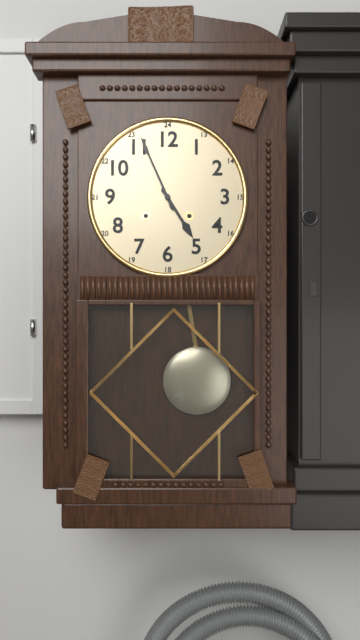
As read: {"hour": 4, "minute": 56}
